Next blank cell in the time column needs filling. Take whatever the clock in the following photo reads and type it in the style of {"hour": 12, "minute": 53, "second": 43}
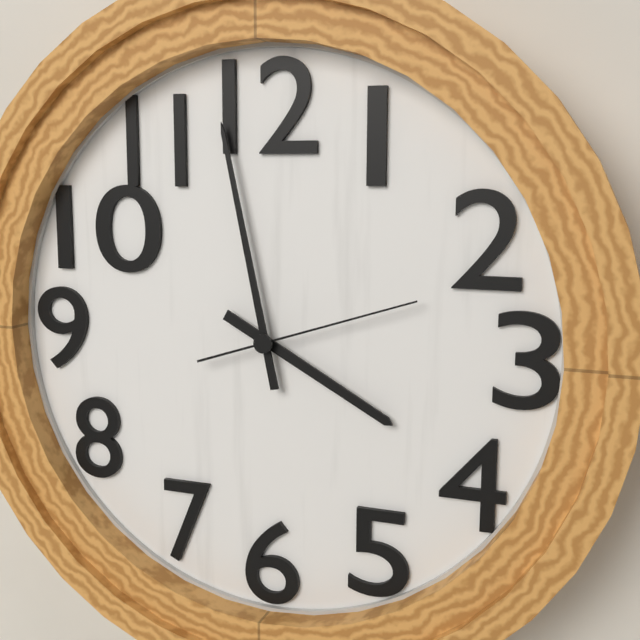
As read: {"hour": 3, "minute": 58, "second": 12}
